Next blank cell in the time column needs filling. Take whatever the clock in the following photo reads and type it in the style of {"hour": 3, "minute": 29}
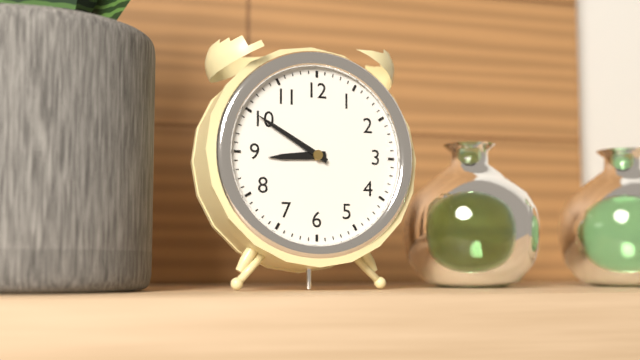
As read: {"hour": 8, "minute": 50}
